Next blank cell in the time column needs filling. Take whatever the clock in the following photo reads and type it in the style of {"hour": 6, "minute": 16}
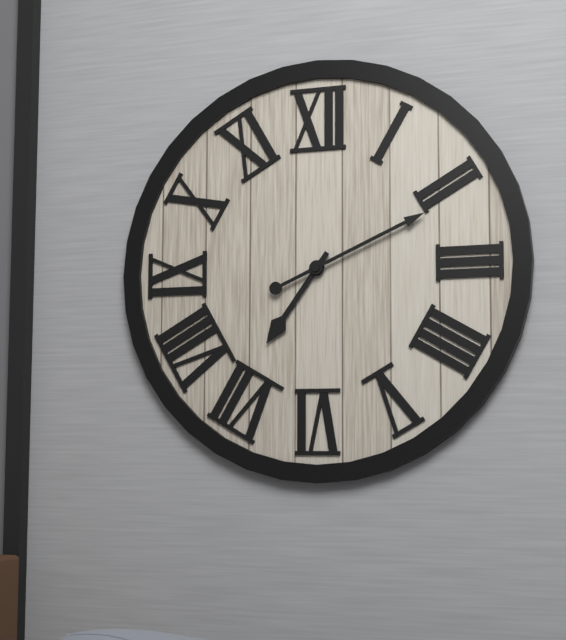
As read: {"hour": 7, "minute": 11}
